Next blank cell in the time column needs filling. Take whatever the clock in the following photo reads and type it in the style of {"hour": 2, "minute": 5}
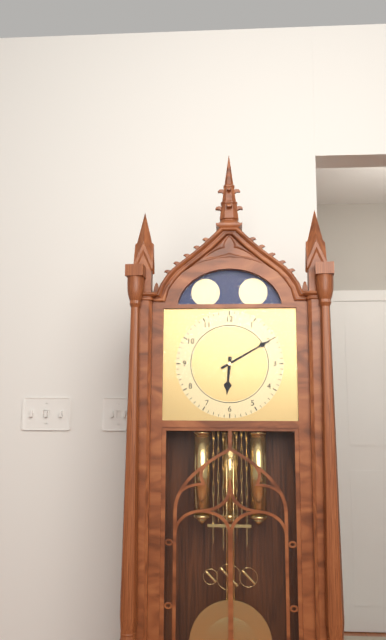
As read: {"hour": 6, "minute": 10}
